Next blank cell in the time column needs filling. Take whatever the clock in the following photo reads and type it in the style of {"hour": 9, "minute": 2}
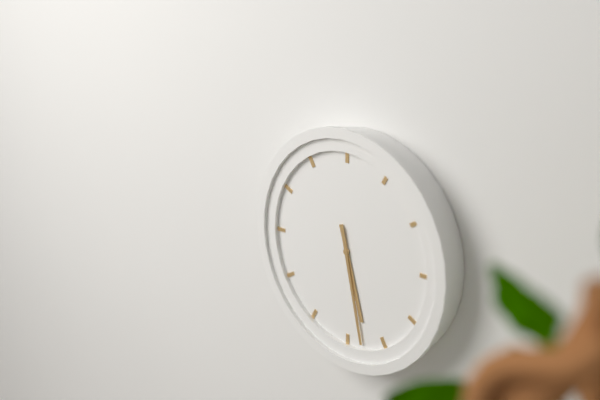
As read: {"hour": 5, "minute": 28}
